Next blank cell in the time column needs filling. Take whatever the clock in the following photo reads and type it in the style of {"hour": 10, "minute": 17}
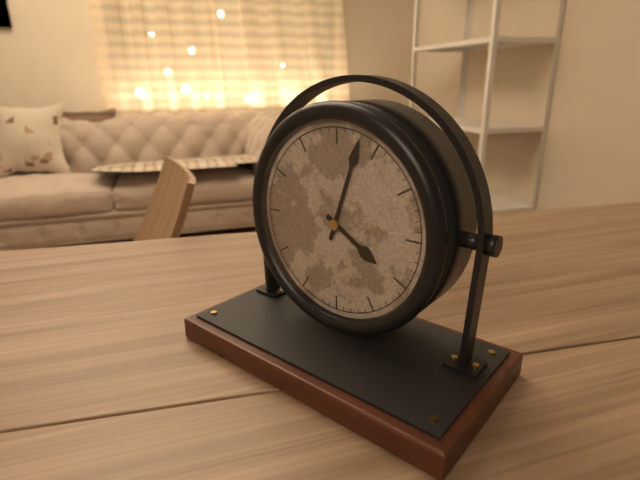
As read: {"hour": 4, "minute": 3}
